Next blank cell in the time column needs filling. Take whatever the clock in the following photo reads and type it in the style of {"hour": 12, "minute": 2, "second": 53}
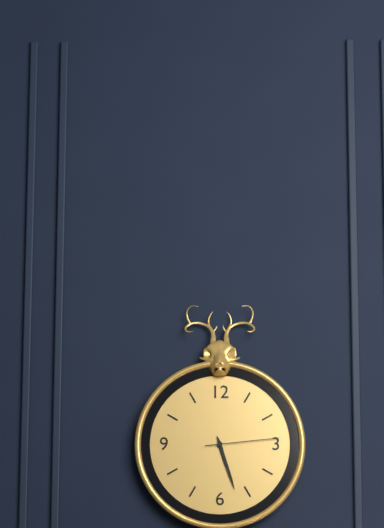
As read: {"hour": 5, "minute": 27, "second": 14}
